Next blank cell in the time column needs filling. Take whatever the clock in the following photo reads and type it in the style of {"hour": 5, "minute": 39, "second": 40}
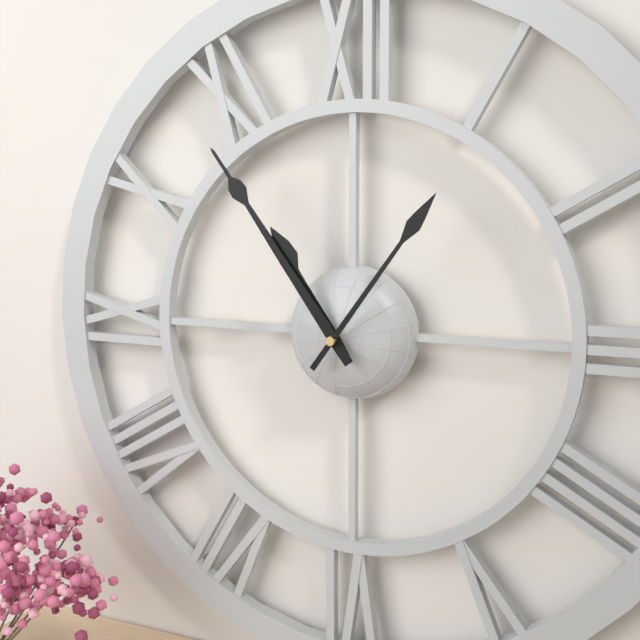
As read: {"hour": 10, "minute": 54, "second": 6}
